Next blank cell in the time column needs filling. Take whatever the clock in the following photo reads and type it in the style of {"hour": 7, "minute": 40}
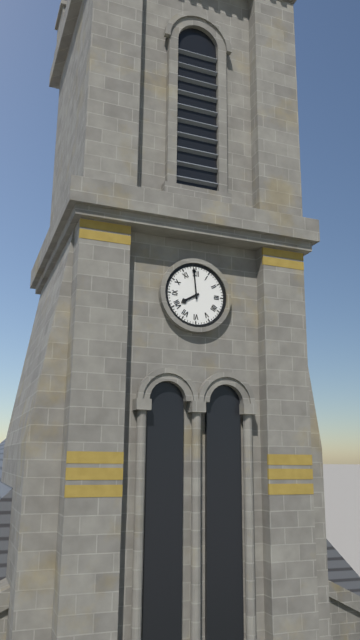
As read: {"hour": 7, "minute": 59}
